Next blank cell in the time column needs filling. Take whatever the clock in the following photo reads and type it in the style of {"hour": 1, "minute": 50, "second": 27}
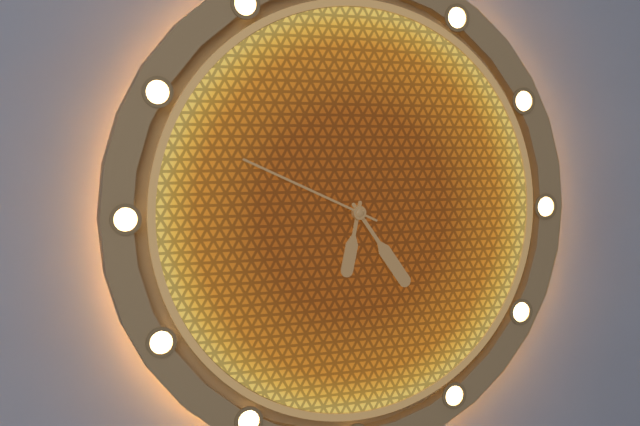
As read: {"hour": 6, "minute": 24, "second": 49}
